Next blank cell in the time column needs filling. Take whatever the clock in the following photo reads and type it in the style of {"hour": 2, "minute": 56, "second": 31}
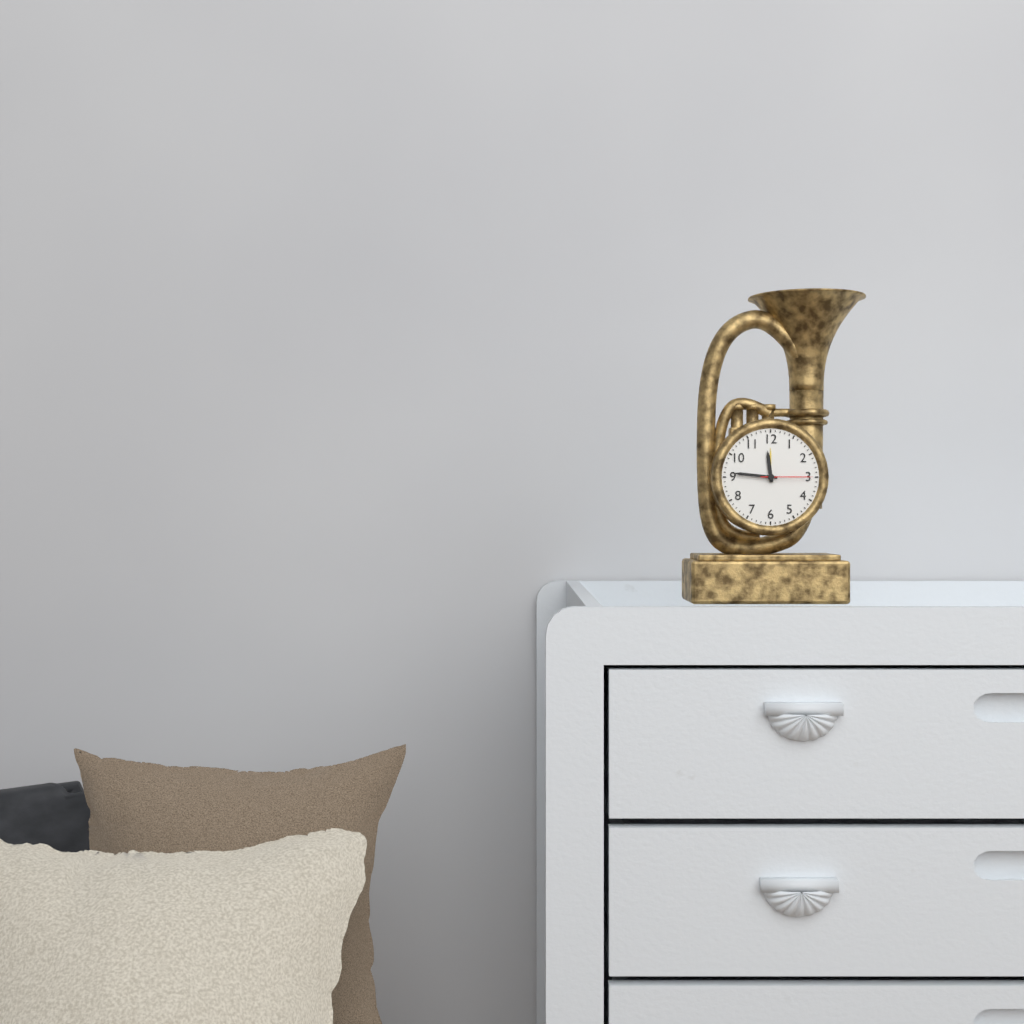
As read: {"hour": 11, "minute": 46, "second": 15}
